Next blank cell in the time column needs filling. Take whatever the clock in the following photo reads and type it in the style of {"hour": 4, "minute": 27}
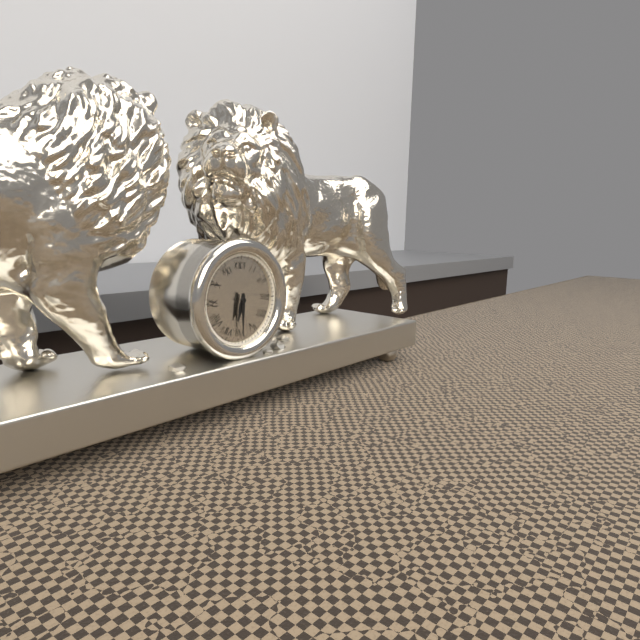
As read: {"hour": 6, "minute": 30}
